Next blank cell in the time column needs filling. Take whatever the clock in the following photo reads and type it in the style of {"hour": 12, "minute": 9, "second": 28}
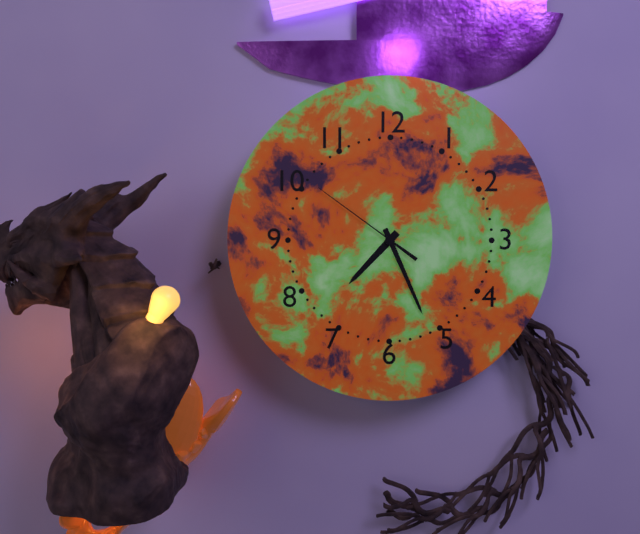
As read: {"hour": 7, "minute": 26, "second": 51}
